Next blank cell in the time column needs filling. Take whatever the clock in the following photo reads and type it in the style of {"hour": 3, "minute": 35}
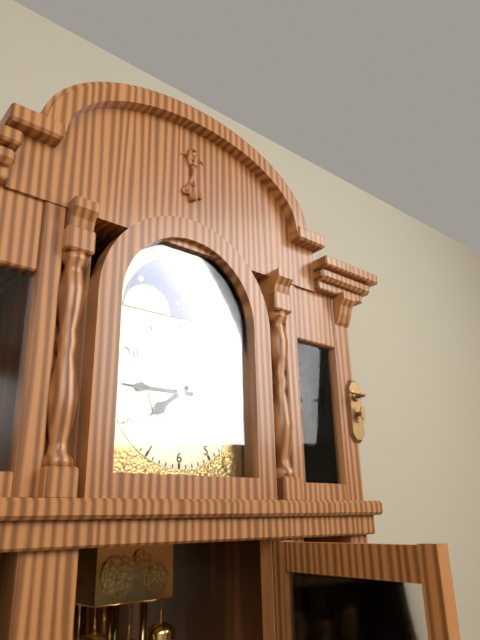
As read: {"hour": 7, "minute": 45}
